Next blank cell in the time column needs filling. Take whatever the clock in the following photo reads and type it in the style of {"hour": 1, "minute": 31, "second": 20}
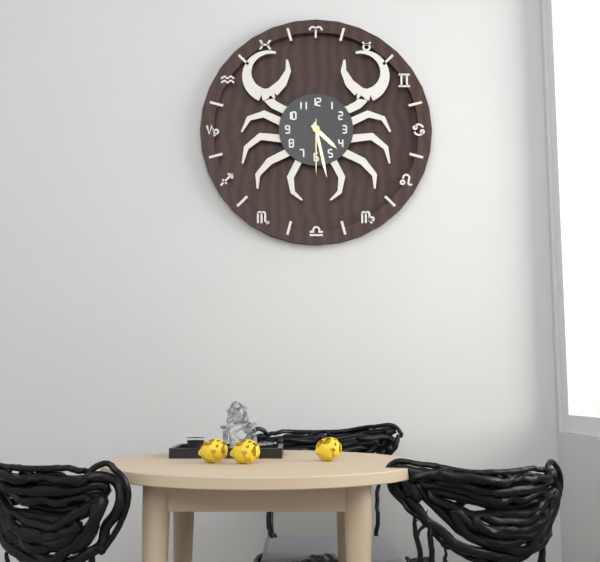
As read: {"hour": 4, "minute": 28, "second": 30}
